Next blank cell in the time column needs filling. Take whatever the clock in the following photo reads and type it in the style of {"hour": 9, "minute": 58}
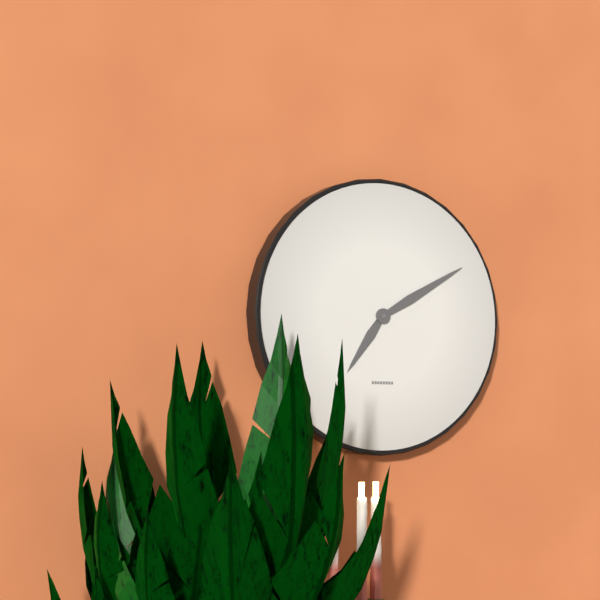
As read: {"hour": 7, "minute": 10}
